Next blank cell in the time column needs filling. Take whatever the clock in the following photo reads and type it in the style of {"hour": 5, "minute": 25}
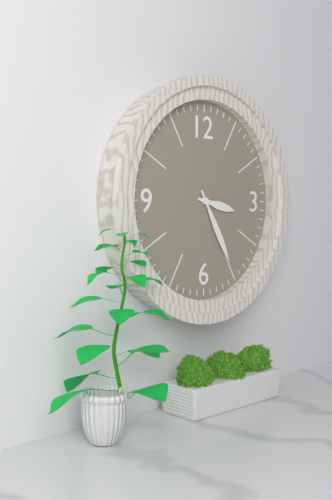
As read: {"hour": 3, "minute": 25}
